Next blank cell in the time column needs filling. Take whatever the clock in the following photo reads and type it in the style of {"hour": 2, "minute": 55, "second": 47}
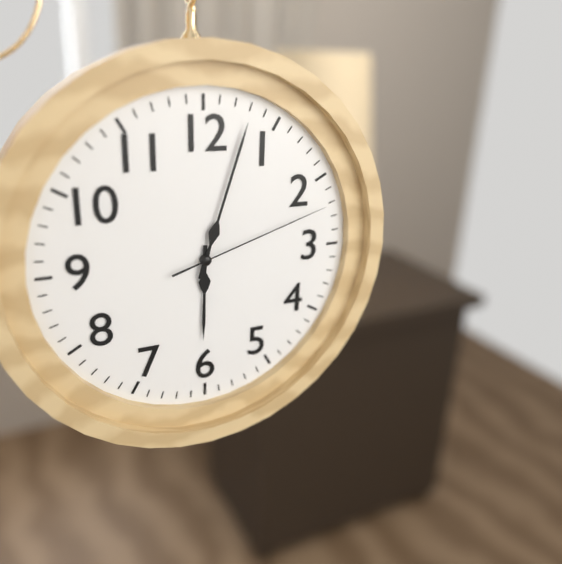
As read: {"hour": 6, "minute": 3, "second": 12}
